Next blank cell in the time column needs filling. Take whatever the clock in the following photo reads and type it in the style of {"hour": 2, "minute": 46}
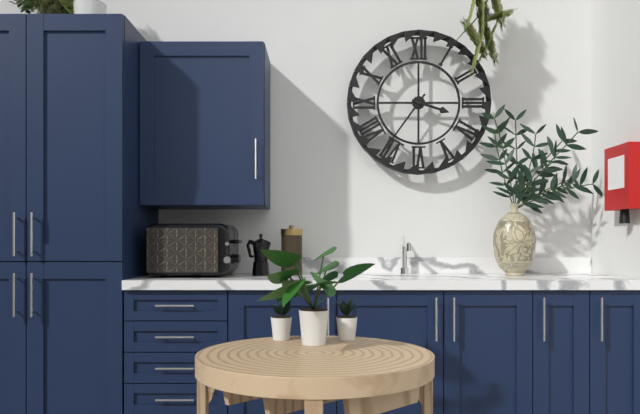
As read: {"hour": 3, "minute": 36}
